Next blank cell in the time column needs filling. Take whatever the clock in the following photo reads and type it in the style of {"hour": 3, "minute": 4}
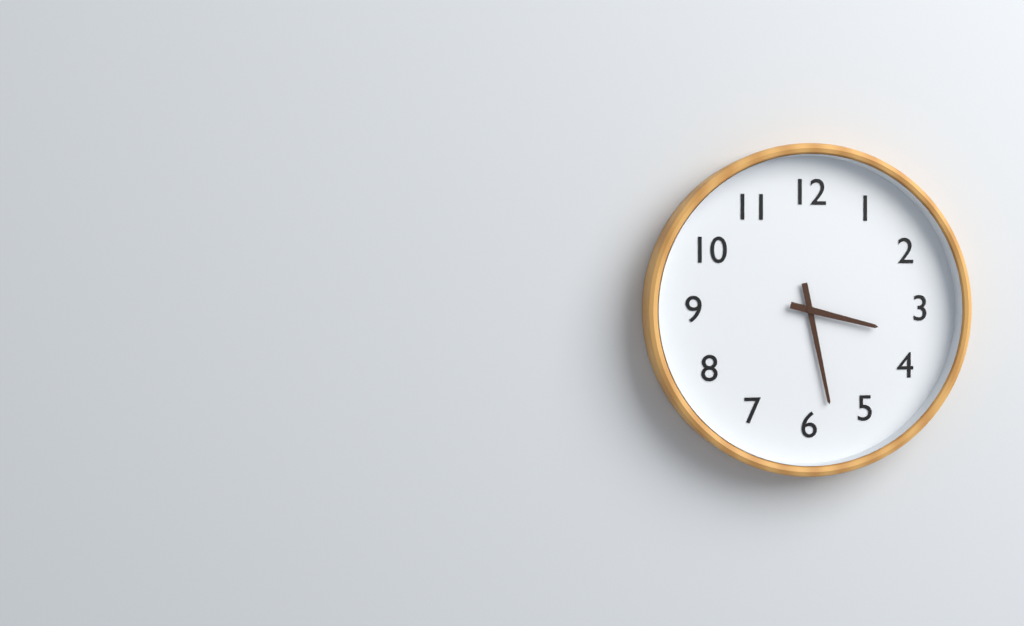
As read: {"hour": 3, "minute": 28}
